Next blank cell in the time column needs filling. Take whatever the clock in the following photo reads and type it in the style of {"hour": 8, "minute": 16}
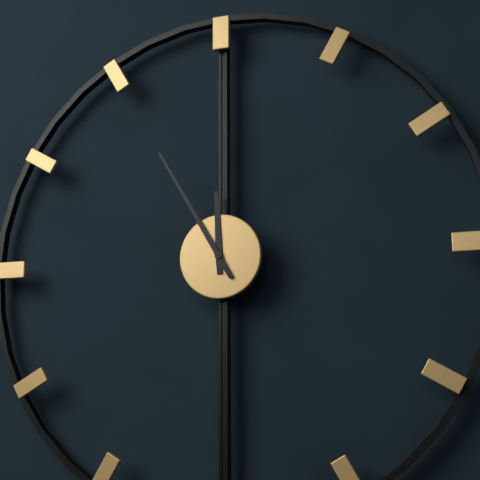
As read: {"hour": 11, "minute": 55}
